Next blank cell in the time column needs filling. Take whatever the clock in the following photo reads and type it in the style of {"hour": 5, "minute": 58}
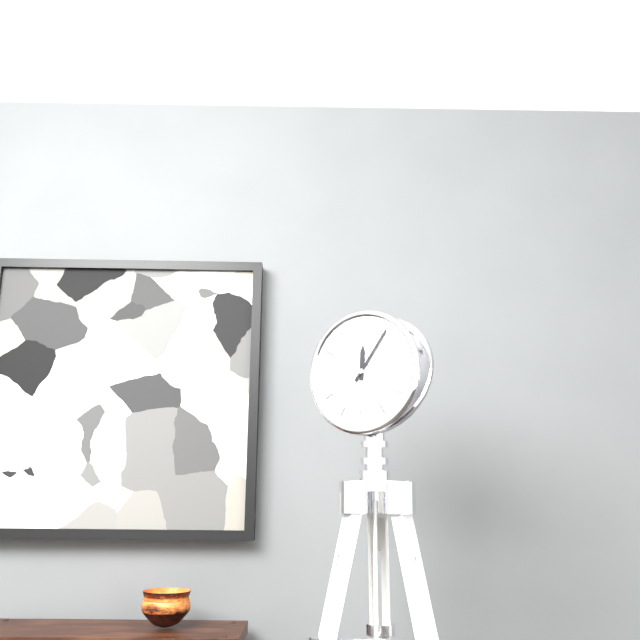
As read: {"hour": 12, "minute": 6}
